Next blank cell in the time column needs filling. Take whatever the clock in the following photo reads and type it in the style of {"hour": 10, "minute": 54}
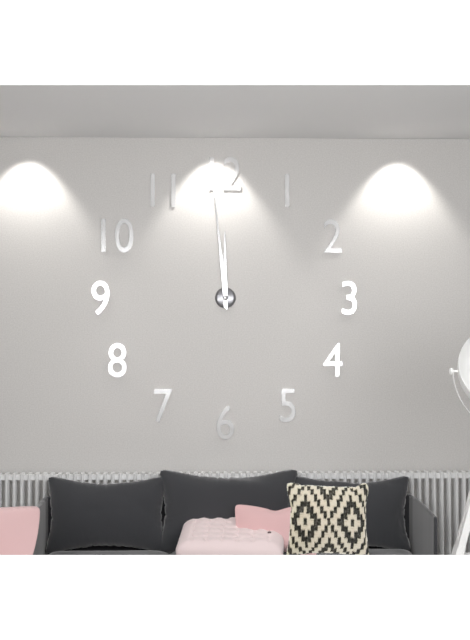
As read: {"hour": 11, "minute": 59}
